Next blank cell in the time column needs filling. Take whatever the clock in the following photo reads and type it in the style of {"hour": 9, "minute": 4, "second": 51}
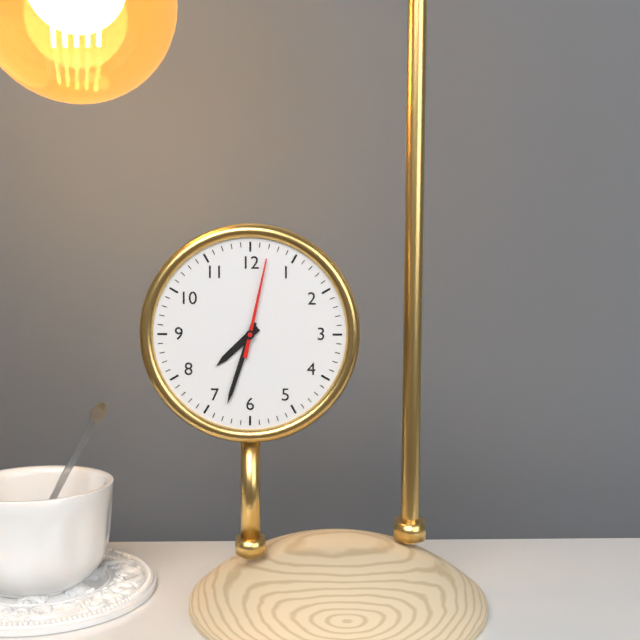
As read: {"hour": 7, "minute": 33, "second": 2}
